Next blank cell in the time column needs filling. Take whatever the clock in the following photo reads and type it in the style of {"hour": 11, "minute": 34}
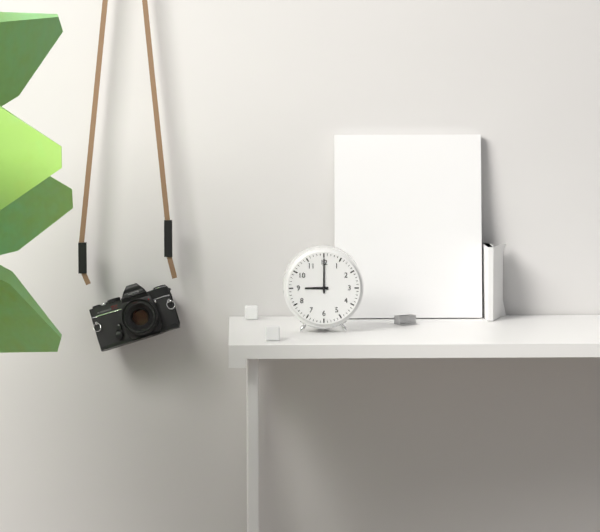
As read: {"hour": 9, "minute": 0}
